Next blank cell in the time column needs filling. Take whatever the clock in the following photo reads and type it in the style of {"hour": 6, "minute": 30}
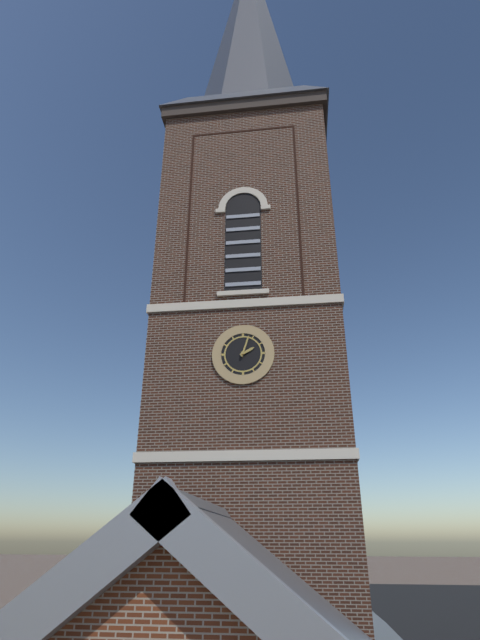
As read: {"hour": 2, "minute": 3}
